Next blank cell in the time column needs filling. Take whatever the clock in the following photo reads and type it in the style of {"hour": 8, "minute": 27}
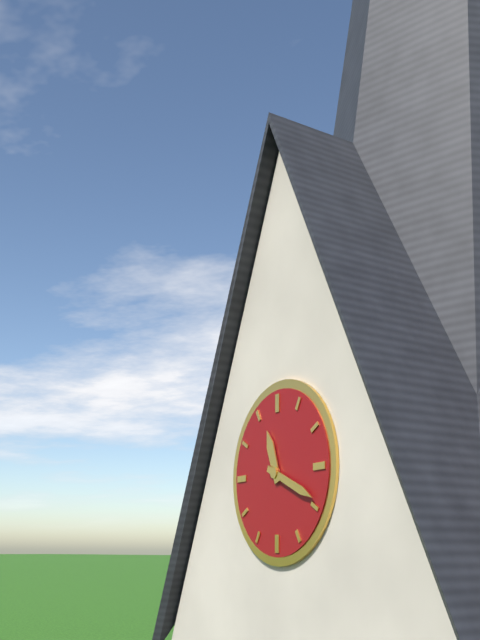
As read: {"hour": 11, "minute": 19}
